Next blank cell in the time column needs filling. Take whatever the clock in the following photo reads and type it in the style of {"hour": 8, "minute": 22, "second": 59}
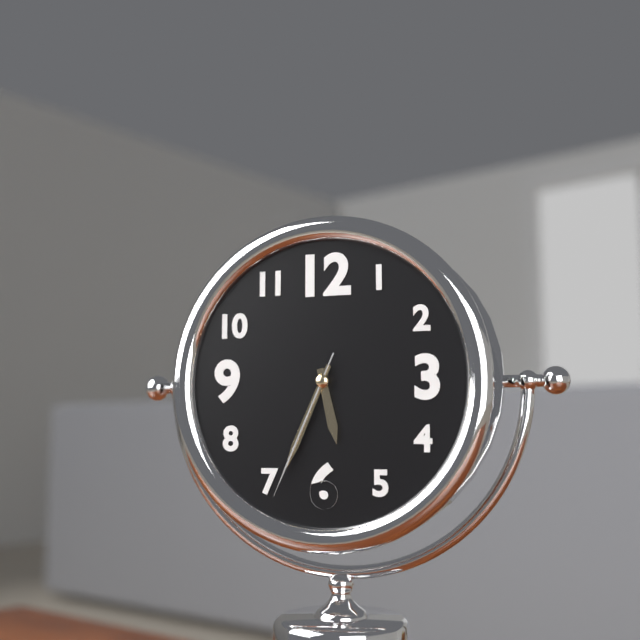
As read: {"hour": 5, "minute": 34, "second": 34}
